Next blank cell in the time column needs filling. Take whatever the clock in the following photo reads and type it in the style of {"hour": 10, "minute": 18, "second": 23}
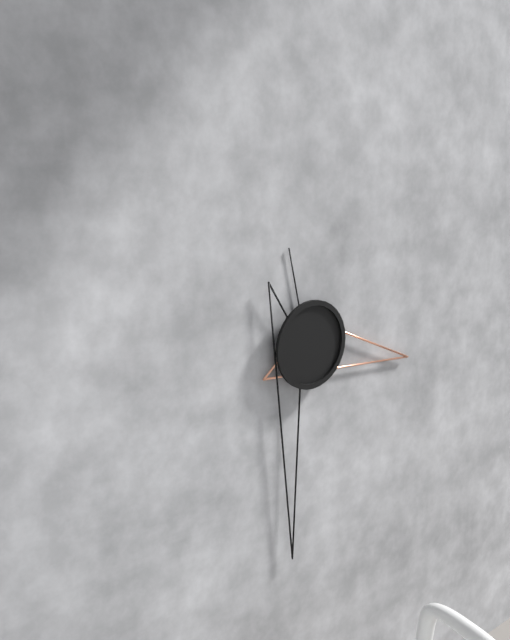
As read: {"hour": 3, "minute": 31, "second": 58}
